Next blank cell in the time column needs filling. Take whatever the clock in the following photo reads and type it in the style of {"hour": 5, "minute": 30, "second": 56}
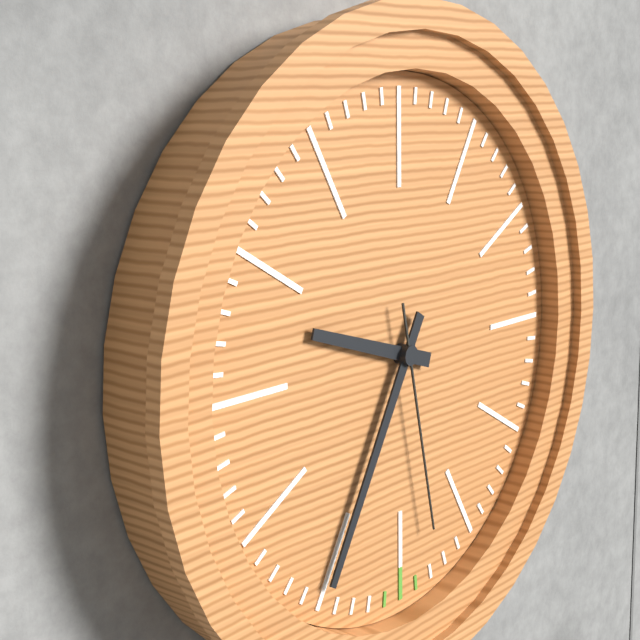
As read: {"hour": 9, "minute": 35, "second": 28}
